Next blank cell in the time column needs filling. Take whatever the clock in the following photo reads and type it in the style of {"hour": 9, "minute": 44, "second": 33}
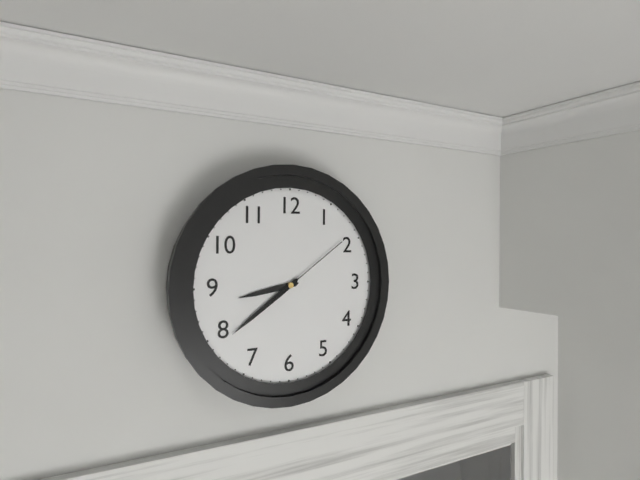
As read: {"hour": 8, "minute": 39, "second": 9}
